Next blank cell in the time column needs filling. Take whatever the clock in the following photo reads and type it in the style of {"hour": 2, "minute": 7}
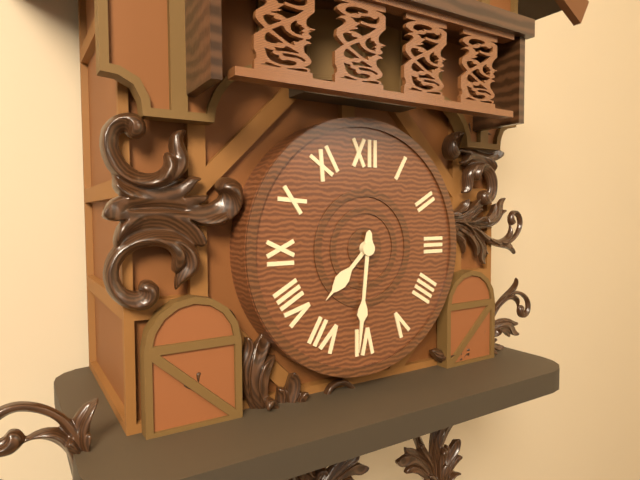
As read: {"hour": 7, "minute": 31}
